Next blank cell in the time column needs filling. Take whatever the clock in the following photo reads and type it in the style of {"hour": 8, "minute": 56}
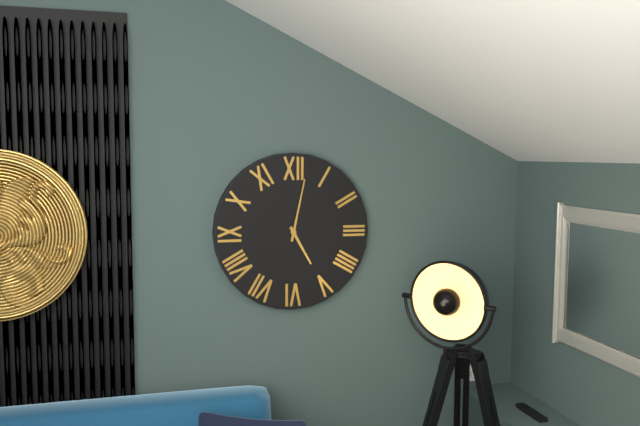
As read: {"hour": 5, "minute": 2}
